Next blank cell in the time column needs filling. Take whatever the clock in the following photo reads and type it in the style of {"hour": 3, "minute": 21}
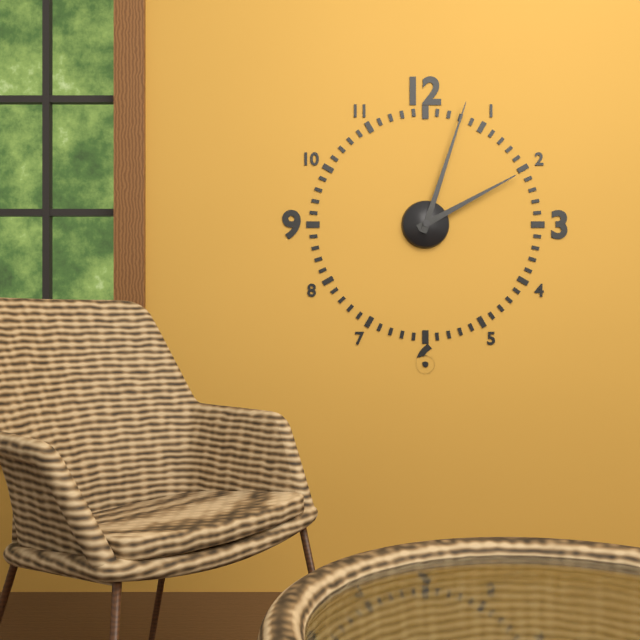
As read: {"hour": 2, "minute": 3}
